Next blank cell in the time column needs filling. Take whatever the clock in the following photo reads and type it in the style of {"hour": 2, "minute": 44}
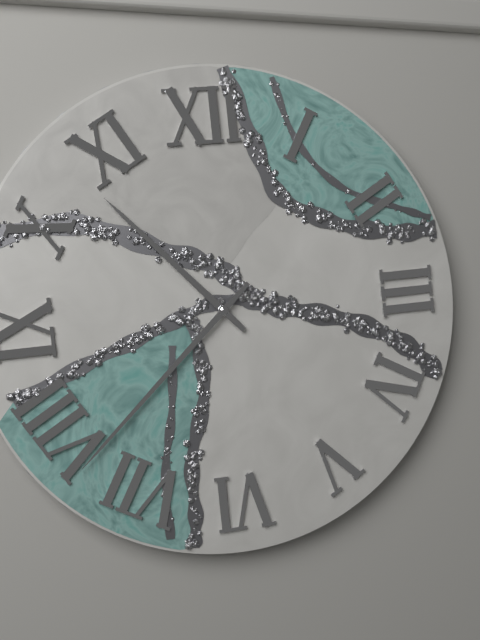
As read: {"hour": 10, "minute": 38}
